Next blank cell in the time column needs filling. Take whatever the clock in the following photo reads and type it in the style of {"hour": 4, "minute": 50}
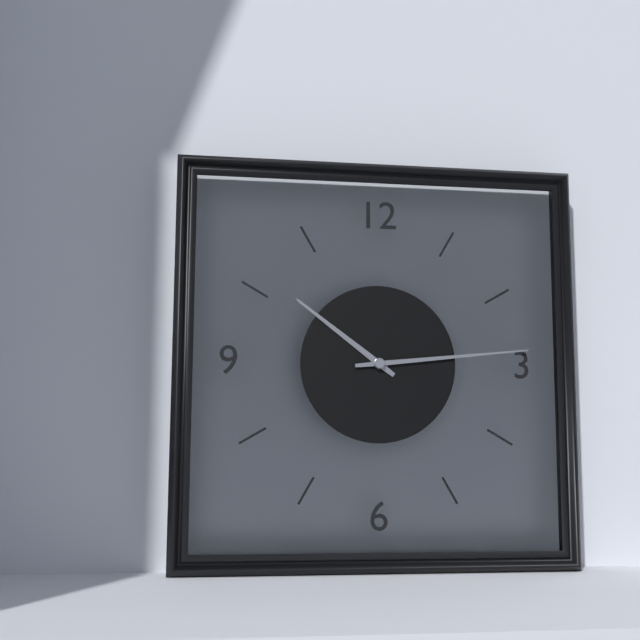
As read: {"hour": 10, "minute": 14}
